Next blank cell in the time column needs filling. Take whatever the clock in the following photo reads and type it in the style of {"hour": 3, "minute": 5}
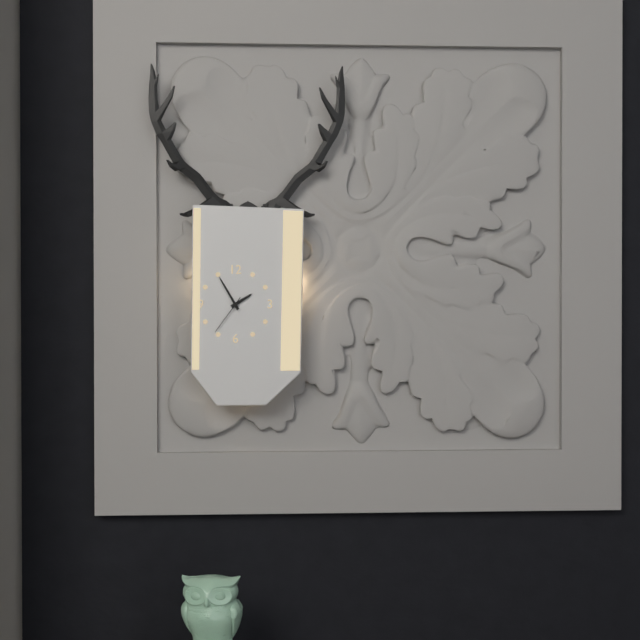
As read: {"hour": 1, "minute": 55}
